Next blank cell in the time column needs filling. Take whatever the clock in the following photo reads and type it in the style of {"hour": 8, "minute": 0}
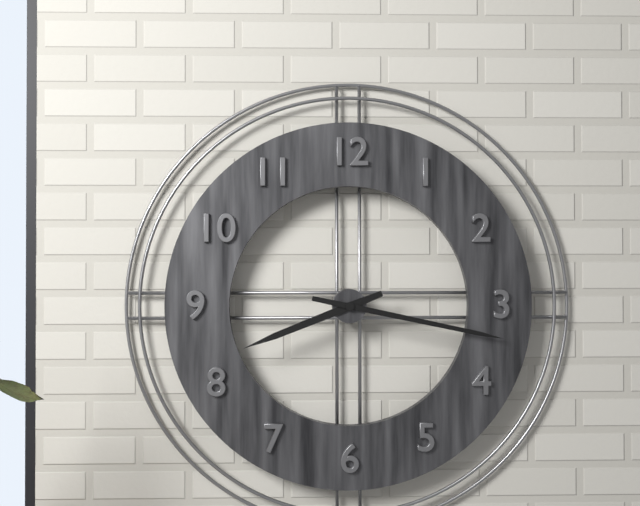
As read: {"hour": 8, "minute": 17}
